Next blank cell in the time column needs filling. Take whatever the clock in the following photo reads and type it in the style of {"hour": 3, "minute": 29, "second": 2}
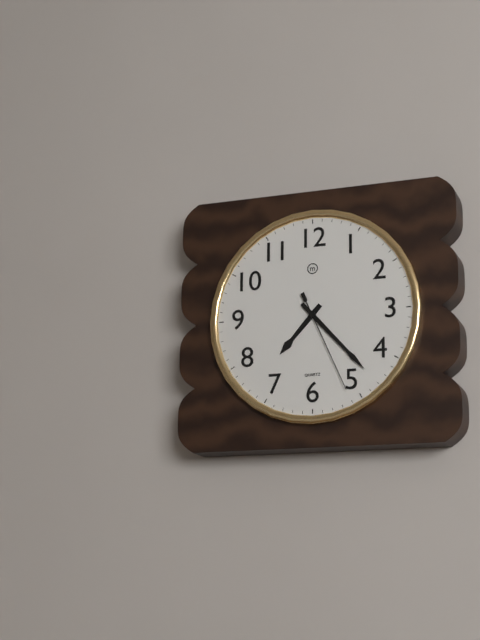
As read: {"hour": 7, "minute": 23, "second": 26}
